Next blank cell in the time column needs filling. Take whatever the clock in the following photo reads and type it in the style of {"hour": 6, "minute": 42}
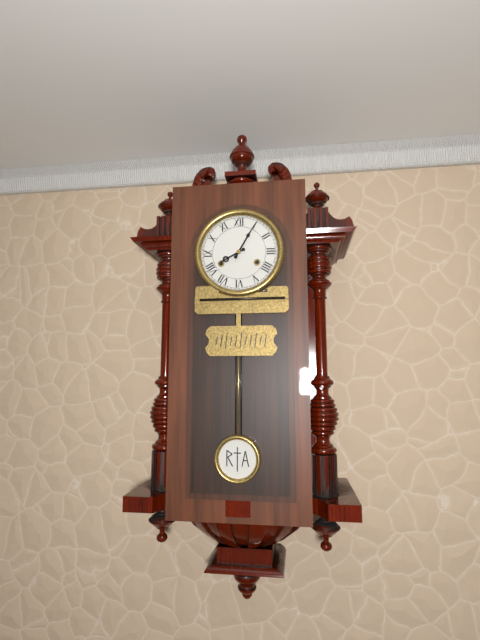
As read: {"hour": 8, "minute": 5}
